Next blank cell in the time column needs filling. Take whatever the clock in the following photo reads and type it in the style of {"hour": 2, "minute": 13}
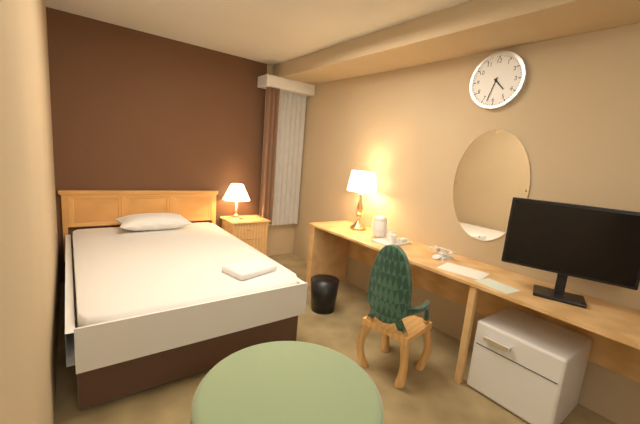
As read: {"hour": 4, "minute": 33}
